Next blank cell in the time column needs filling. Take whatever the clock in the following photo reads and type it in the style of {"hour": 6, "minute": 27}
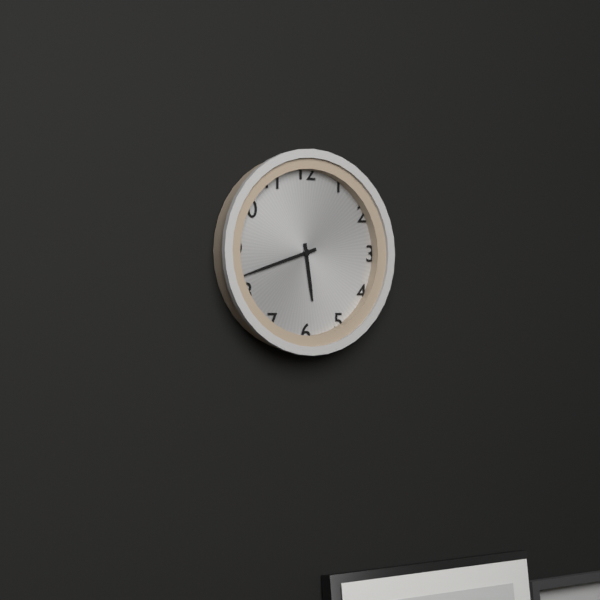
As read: {"hour": 5, "minute": 42}
